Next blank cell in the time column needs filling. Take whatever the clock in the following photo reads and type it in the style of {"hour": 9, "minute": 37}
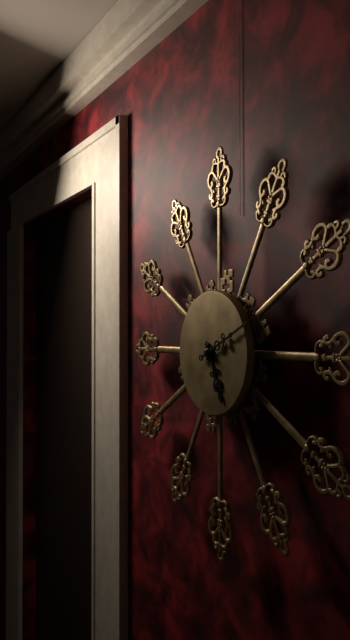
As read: {"hour": 5, "minute": 11}
